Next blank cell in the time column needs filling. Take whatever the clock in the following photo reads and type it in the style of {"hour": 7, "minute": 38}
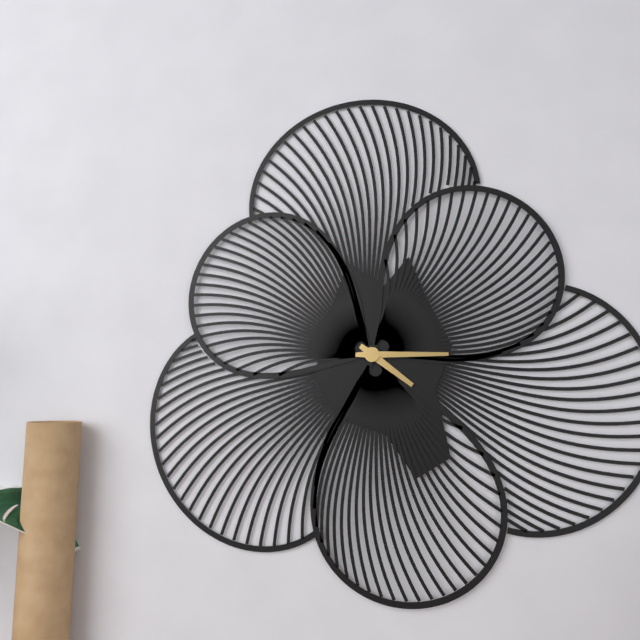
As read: {"hour": 4, "minute": 15}
